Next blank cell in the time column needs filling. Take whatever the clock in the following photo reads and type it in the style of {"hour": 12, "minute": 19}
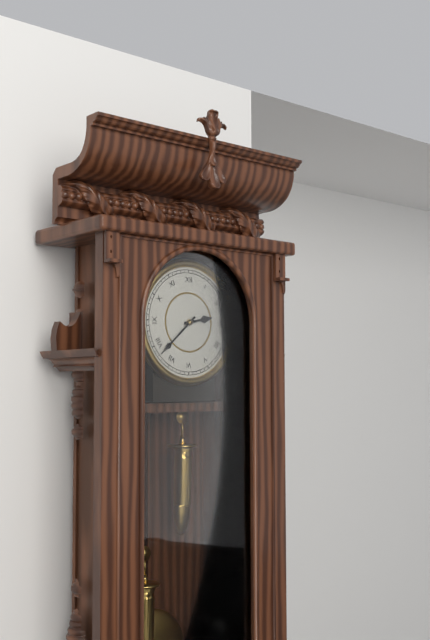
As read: {"hour": 2, "minute": 38}
